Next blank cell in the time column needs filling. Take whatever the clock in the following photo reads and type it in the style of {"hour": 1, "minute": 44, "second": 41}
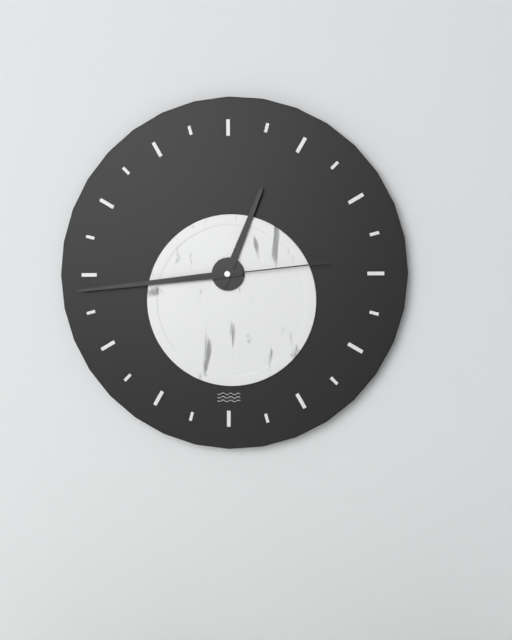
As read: {"hour": 12, "minute": 44, "second": 14}
